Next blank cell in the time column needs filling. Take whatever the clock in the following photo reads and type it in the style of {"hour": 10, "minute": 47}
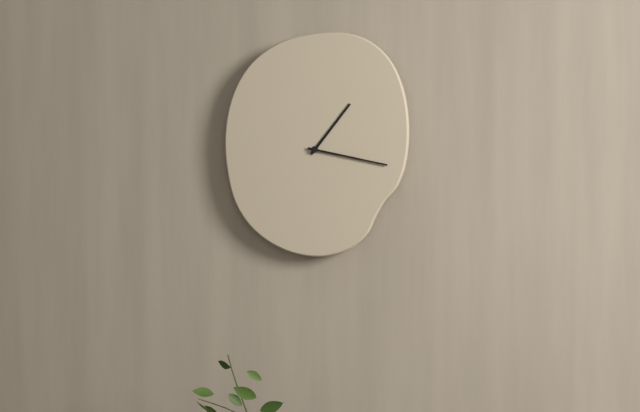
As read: {"hour": 1, "minute": 17}
